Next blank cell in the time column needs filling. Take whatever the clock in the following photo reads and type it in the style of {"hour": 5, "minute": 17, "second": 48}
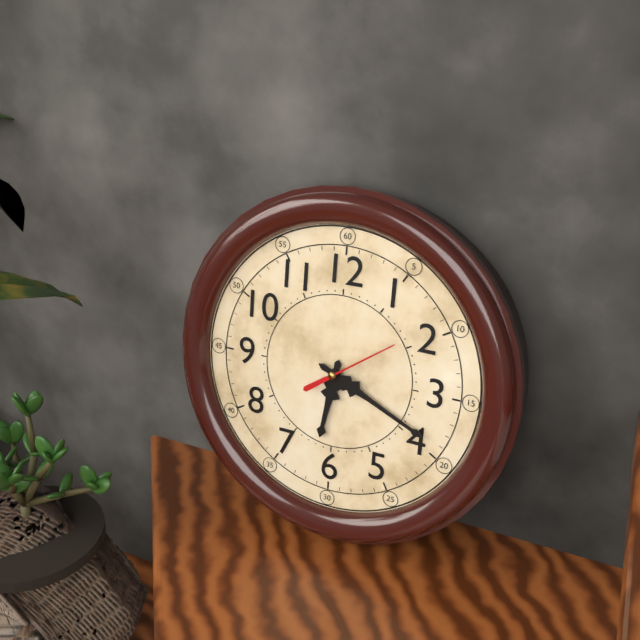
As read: {"hour": 6, "minute": 19, "second": 9}
